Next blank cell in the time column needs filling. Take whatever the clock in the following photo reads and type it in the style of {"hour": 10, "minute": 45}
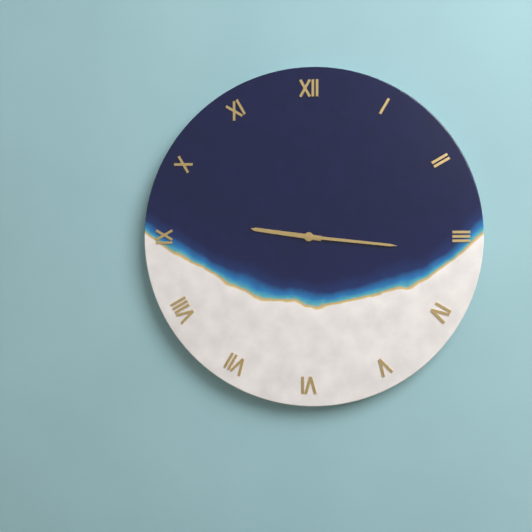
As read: {"hour": 9, "minute": 16}
